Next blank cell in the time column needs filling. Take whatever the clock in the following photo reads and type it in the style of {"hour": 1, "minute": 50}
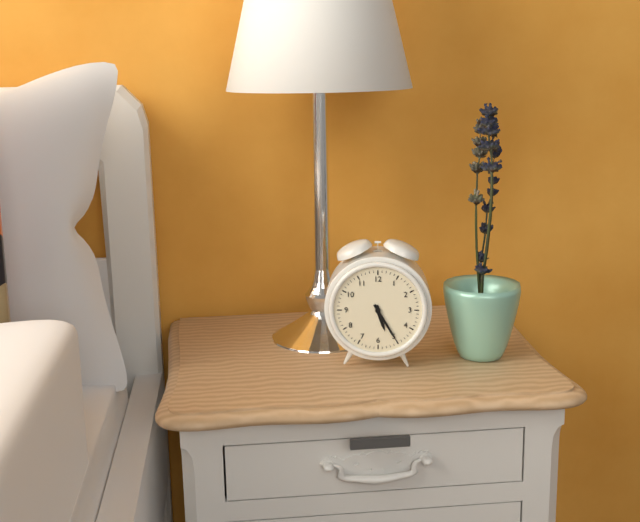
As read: {"hour": 5, "minute": 25}
